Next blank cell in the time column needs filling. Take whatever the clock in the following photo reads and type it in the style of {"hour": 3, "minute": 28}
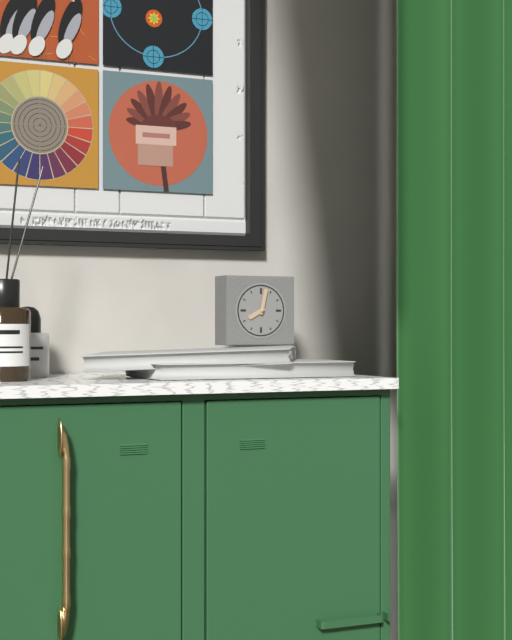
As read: {"hour": 8, "minute": 2}
